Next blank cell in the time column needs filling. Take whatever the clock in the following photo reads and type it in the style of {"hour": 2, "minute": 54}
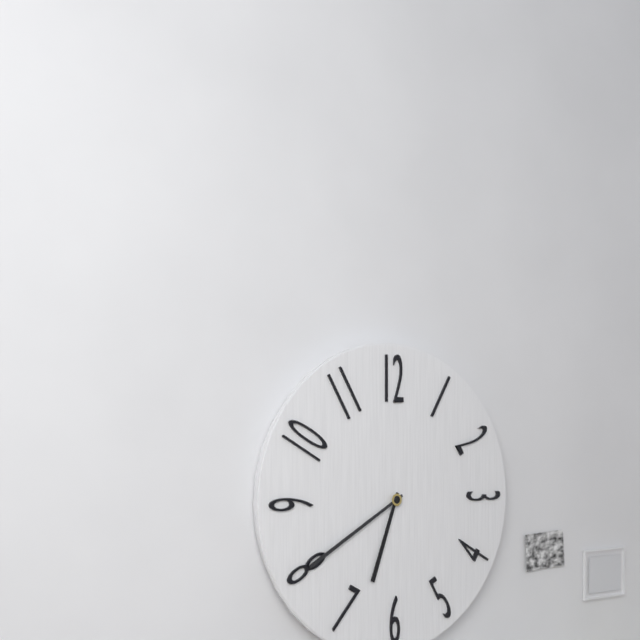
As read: {"hour": 6, "minute": 40}
